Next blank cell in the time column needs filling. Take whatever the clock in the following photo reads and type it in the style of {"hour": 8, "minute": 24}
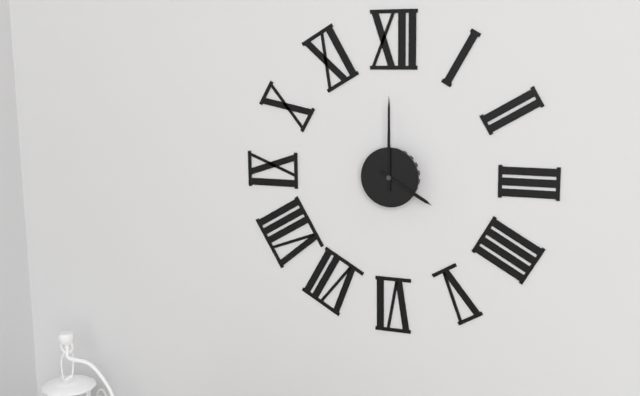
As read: {"hour": 4, "minute": 0}
